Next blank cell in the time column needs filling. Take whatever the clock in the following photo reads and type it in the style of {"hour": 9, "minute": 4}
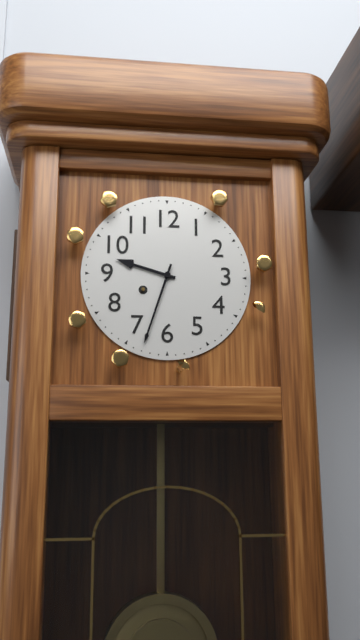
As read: {"hour": 9, "minute": 33}
